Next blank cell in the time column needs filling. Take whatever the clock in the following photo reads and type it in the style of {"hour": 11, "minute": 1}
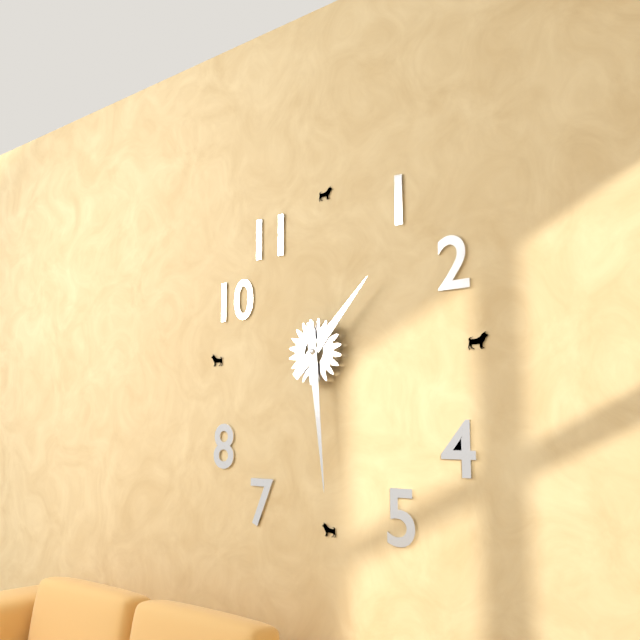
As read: {"hour": 1, "minute": 29}
